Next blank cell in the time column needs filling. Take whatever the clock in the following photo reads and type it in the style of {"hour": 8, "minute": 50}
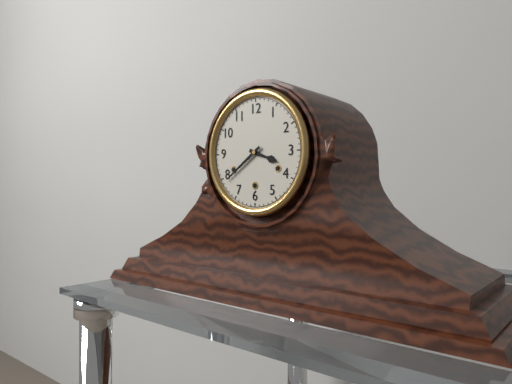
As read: {"hour": 3, "minute": 39}
